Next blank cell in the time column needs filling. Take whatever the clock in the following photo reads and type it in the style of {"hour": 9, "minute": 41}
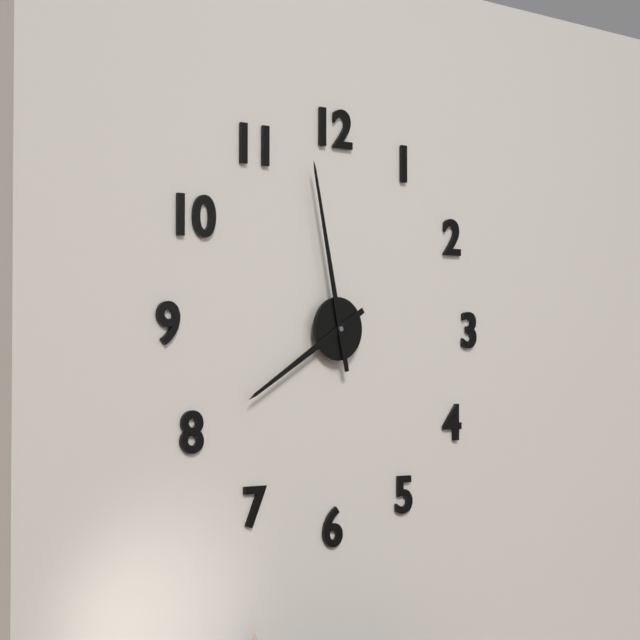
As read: {"hour": 7, "minute": 58}
